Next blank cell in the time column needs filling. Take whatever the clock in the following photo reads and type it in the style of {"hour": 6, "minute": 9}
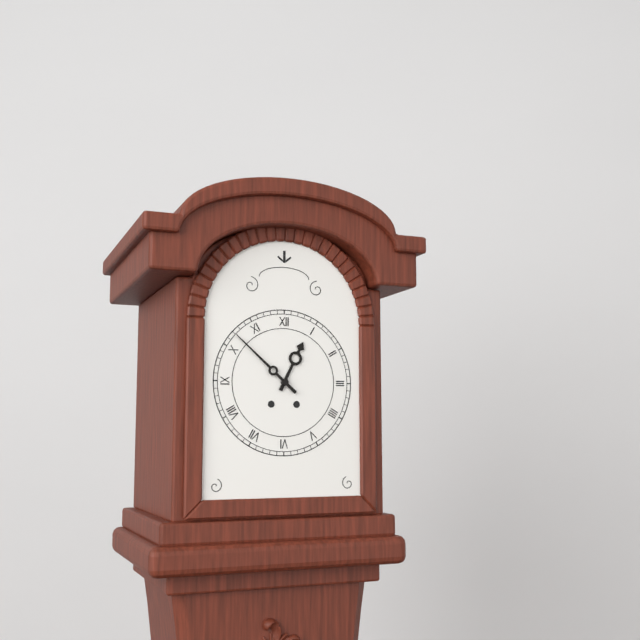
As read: {"hour": 12, "minute": 52}
